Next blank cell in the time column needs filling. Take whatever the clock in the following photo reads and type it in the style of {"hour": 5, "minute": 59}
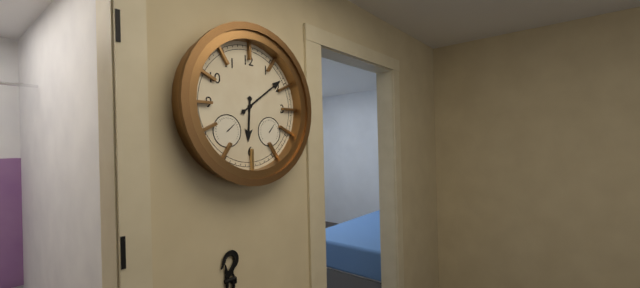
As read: {"hour": 6, "minute": 9}
